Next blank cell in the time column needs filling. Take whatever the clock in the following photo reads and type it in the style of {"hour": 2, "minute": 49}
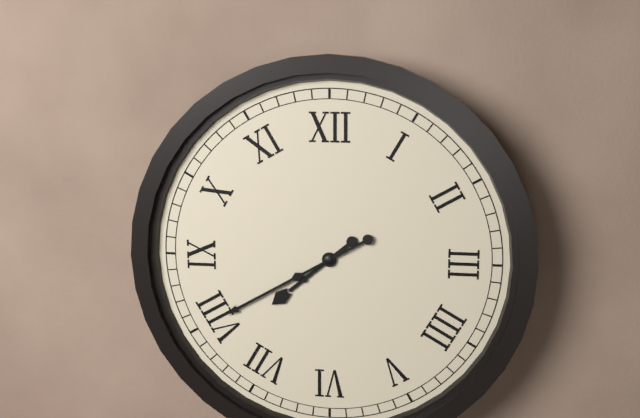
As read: {"hour": 7, "minute": 40}
